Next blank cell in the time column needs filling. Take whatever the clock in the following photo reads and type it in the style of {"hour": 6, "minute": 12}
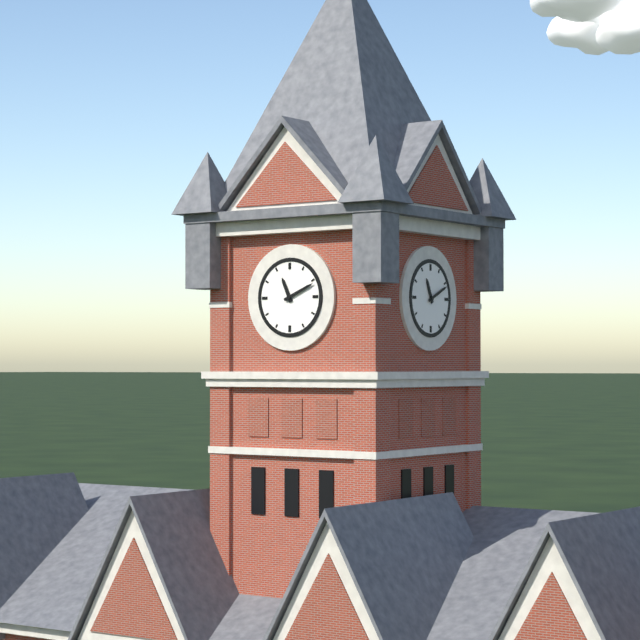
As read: {"hour": 11, "minute": 11}
